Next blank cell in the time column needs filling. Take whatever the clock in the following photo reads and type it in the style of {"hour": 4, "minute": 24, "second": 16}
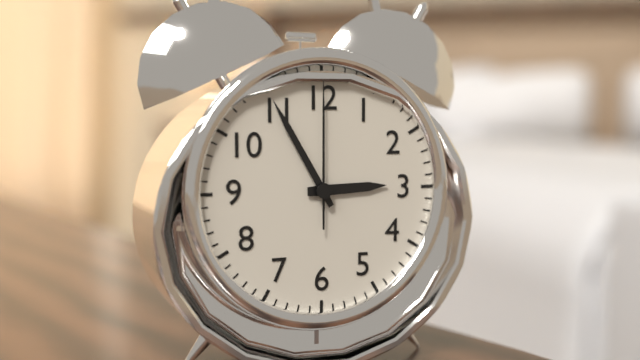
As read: {"hour": 2, "minute": 55, "second": 0}
